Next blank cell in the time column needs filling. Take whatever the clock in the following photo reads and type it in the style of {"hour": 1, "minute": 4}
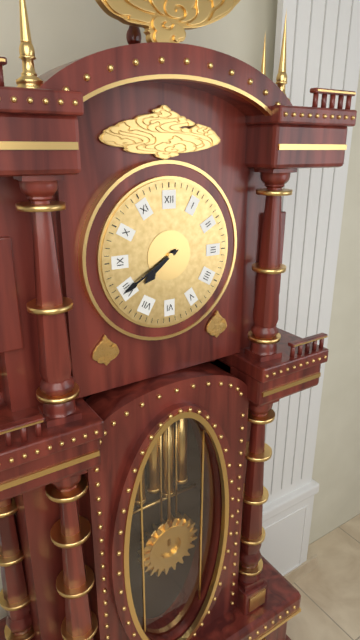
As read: {"hour": 7, "minute": 40}
